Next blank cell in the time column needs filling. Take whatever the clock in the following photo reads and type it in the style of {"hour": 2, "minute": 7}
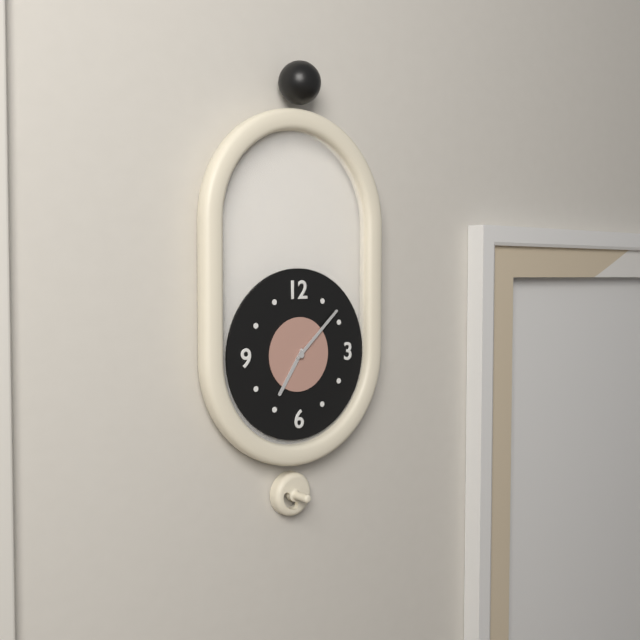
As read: {"hour": 7, "minute": 8}
